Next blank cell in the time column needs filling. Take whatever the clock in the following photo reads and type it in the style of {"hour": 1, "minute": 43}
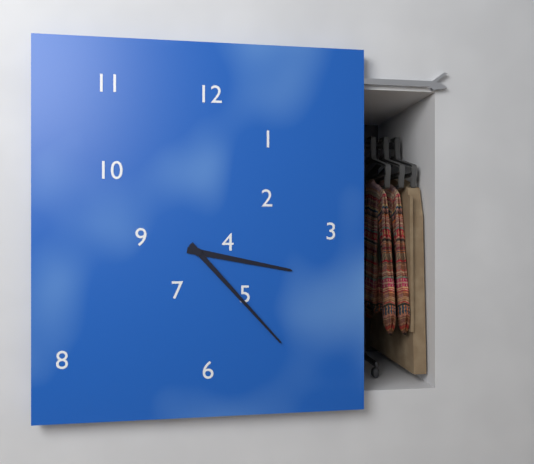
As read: {"hour": 3, "minute": 23}
